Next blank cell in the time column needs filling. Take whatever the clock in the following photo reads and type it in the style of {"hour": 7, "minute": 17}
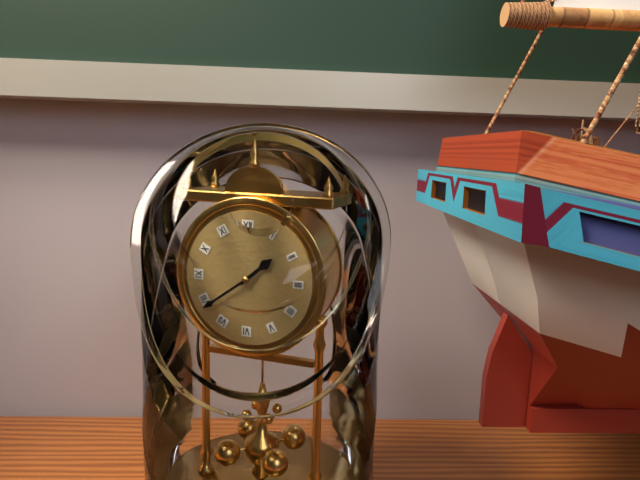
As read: {"hour": 1, "minute": 39}
